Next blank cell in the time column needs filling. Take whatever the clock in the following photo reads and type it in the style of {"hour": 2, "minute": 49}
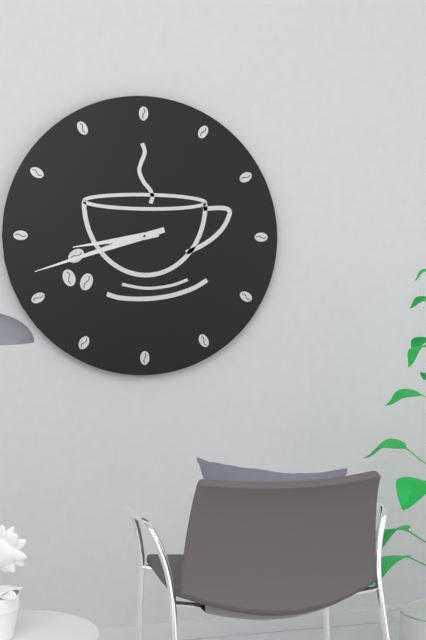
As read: {"hour": 8, "minute": 42}
